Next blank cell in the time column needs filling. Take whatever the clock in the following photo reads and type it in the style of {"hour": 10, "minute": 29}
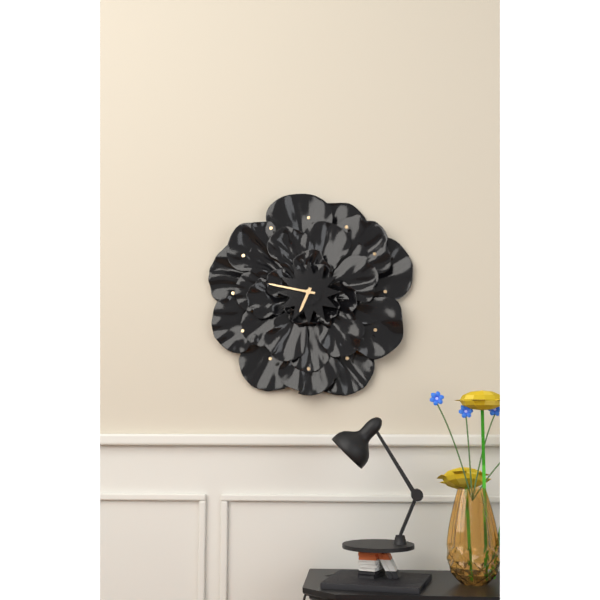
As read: {"hour": 6, "minute": 47}
